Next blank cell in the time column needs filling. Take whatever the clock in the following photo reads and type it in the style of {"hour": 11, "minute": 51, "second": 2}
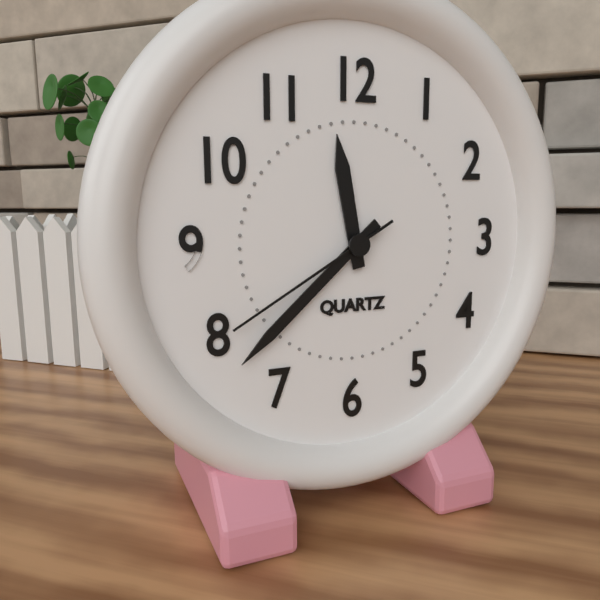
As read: {"hour": 11, "minute": 38, "second": 40}
